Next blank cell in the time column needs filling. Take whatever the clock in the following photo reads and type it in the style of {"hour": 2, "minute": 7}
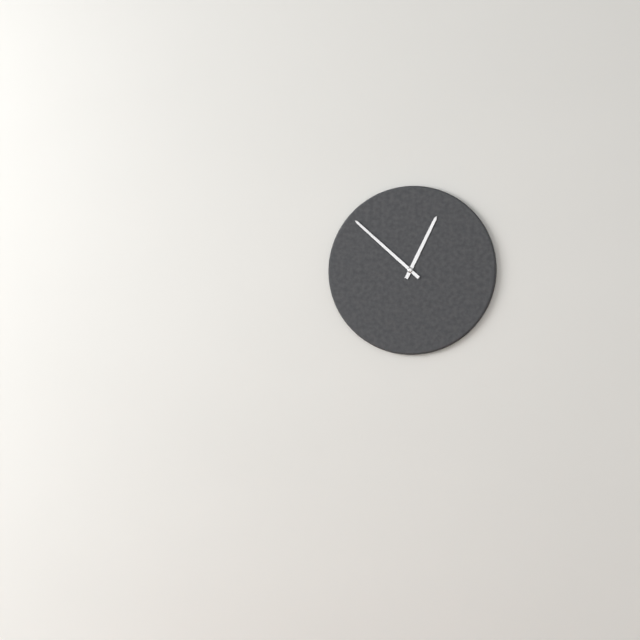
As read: {"hour": 12, "minute": 52}
